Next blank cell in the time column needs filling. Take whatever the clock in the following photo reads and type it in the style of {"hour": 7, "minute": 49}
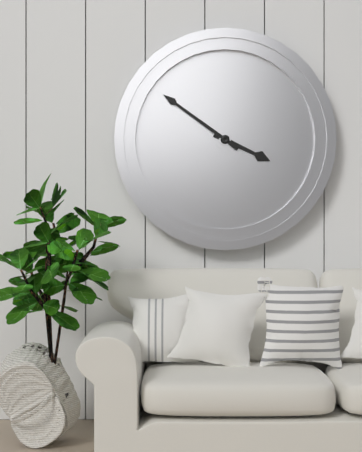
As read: {"hour": 3, "minute": 51}
